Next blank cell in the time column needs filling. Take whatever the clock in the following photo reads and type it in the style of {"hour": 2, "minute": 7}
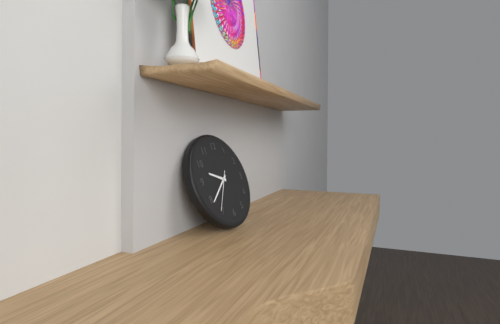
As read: {"hour": 9, "minute": 39}
